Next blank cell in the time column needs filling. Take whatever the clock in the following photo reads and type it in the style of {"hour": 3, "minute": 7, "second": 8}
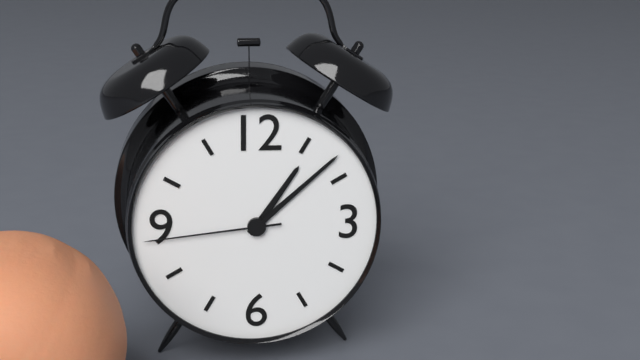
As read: {"hour": 1, "minute": 8, "second": 44}
